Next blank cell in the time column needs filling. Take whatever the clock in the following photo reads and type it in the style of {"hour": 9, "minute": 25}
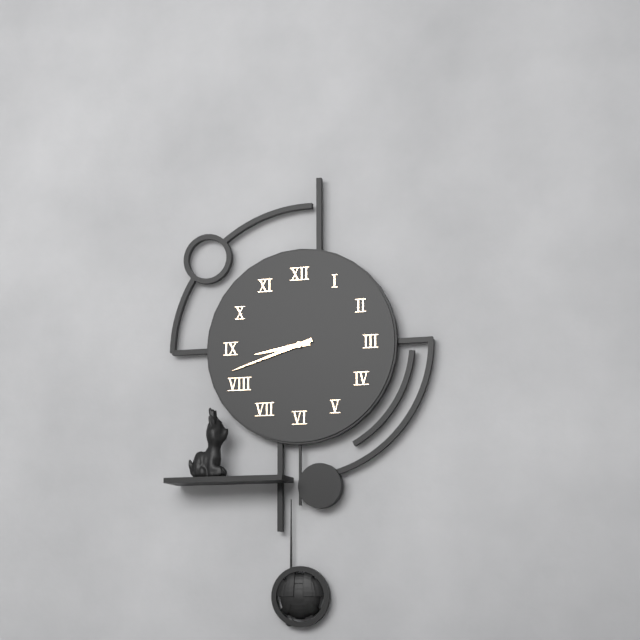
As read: {"hour": 8, "minute": 42}
